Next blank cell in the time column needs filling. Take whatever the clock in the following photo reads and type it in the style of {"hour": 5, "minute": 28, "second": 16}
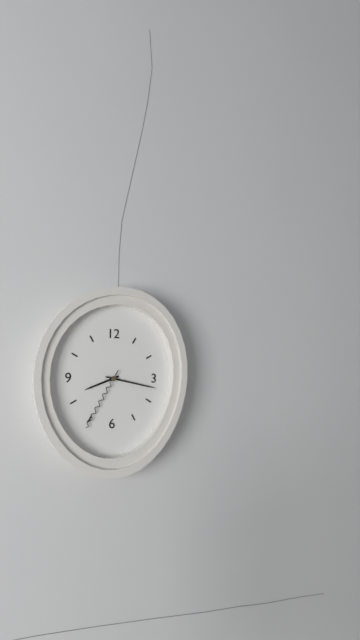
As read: {"hour": 8, "minute": 17, "second": 35}
